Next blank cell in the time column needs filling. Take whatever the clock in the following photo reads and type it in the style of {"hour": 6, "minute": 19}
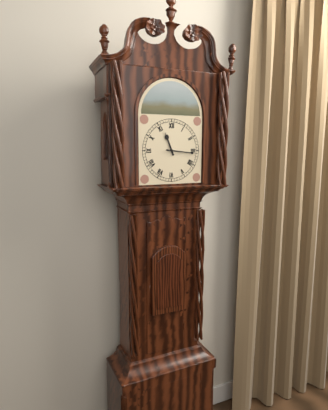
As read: {"hour": 11, "minute": 16}
